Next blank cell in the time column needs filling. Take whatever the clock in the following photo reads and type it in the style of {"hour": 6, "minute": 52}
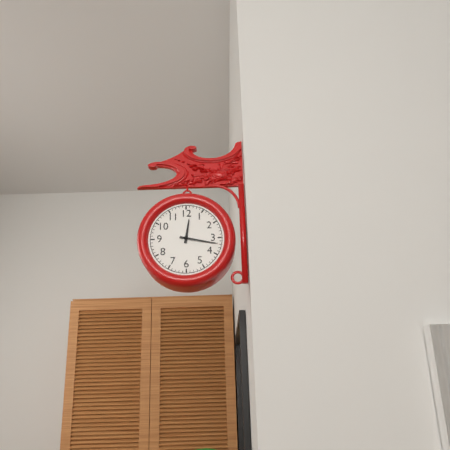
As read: {"hour": 12, "minute": 17}
